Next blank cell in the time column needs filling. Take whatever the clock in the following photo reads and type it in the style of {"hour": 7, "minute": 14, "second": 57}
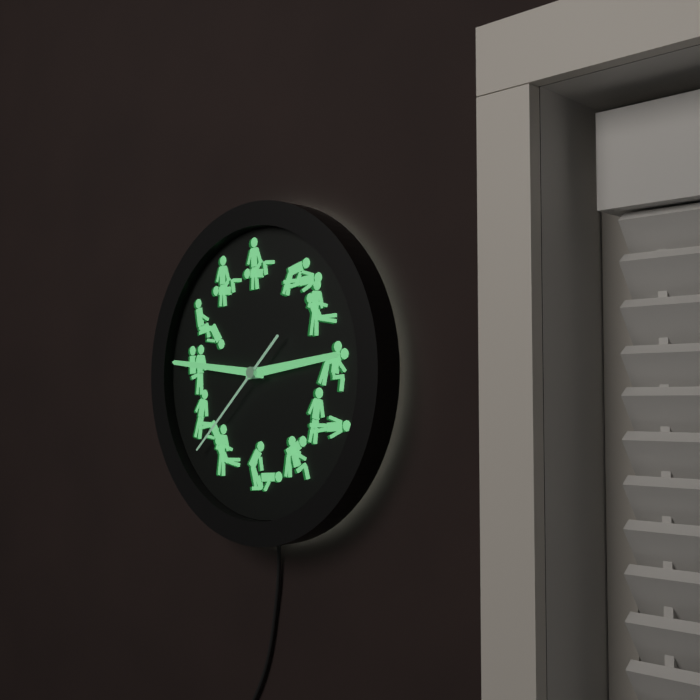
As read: {"hour": 2, "minute": 46, "second": 38}
